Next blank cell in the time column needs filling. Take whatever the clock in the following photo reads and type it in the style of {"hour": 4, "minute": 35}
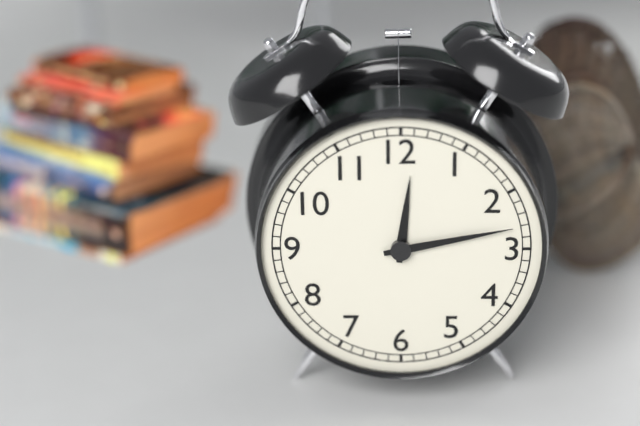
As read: {"hour": 12, "minute": 13}
